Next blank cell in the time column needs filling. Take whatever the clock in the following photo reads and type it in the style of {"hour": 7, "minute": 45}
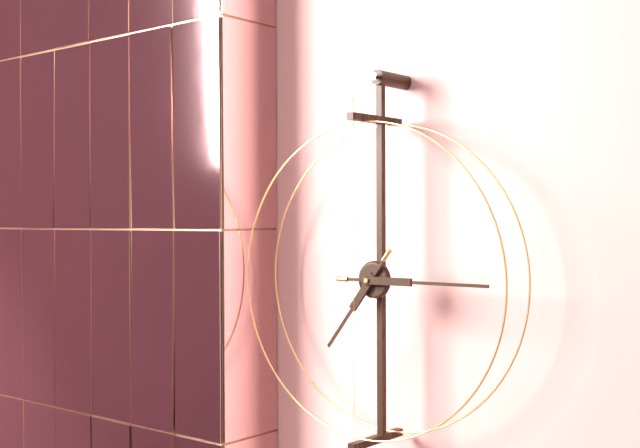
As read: {"hour": 7, "minute": 15}
